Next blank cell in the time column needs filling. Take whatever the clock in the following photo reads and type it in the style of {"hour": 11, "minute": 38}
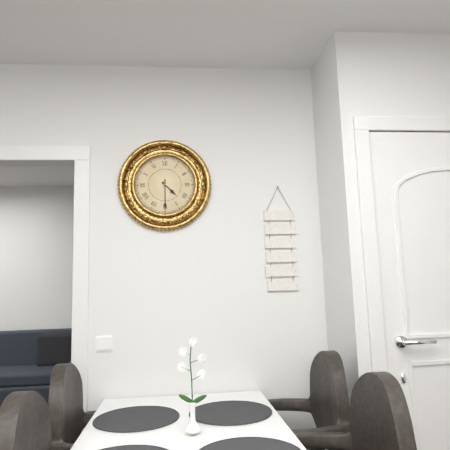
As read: {"hour": 4, "minute": 30}
